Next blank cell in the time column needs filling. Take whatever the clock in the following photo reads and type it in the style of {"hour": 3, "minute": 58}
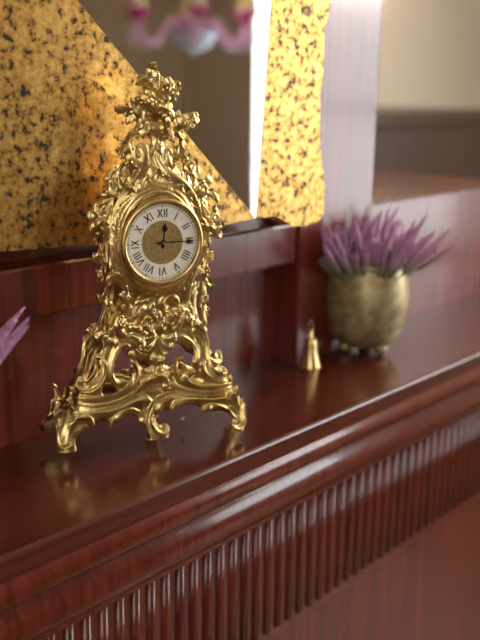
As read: {"hour": 12, "minute": 15}
